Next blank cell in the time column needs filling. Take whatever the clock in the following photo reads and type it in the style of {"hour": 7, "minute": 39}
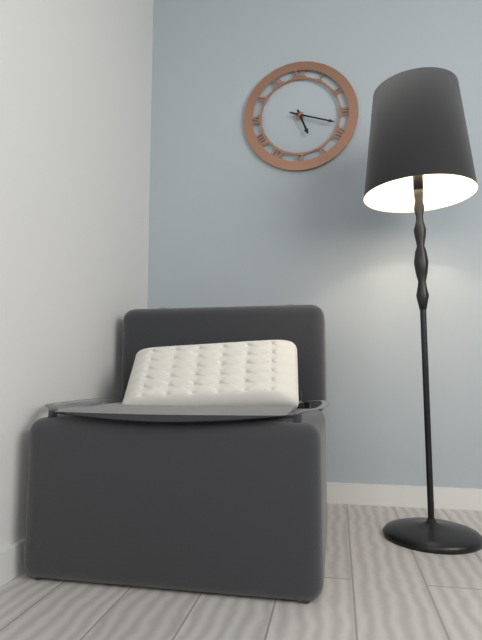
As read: {"hour": 5, "minute": 18}
